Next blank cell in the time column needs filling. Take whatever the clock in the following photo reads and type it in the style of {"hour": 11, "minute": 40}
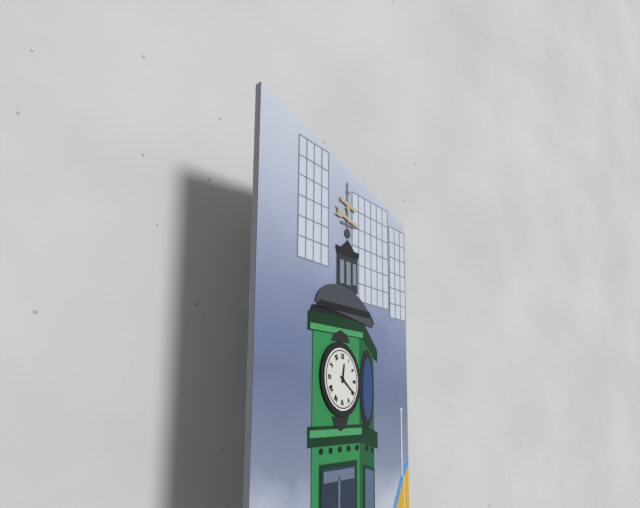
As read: {"hour": 12, "minute": 20}
